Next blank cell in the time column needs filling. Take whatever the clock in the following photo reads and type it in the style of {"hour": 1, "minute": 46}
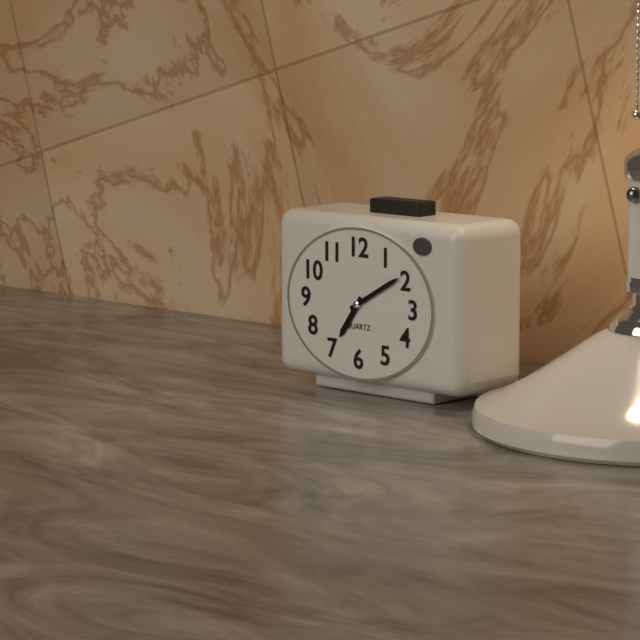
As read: {"hour": 7, "minute": 10}
